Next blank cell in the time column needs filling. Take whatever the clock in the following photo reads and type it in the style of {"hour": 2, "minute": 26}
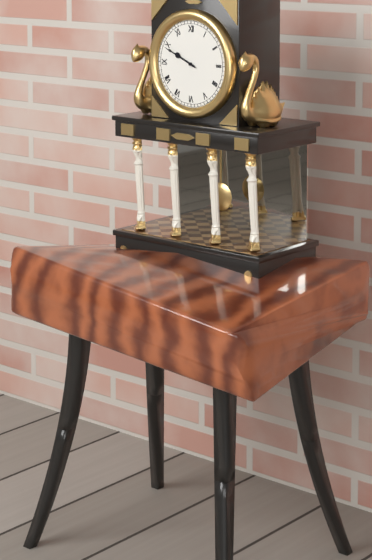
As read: {"hour": 9, "minute": 49}
